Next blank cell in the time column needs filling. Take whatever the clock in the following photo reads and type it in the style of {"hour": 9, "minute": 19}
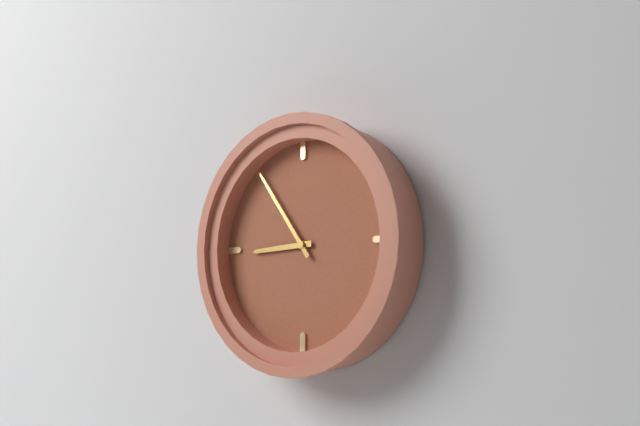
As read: {"hour": 8, "minute": 54}
